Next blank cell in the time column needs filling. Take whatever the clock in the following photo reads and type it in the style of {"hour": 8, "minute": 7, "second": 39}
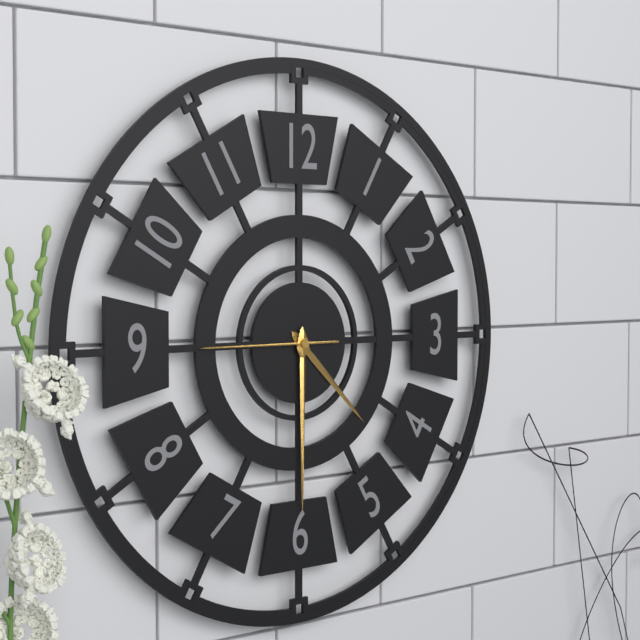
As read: {"hour": 4, "minute": 30, "second": 45}
